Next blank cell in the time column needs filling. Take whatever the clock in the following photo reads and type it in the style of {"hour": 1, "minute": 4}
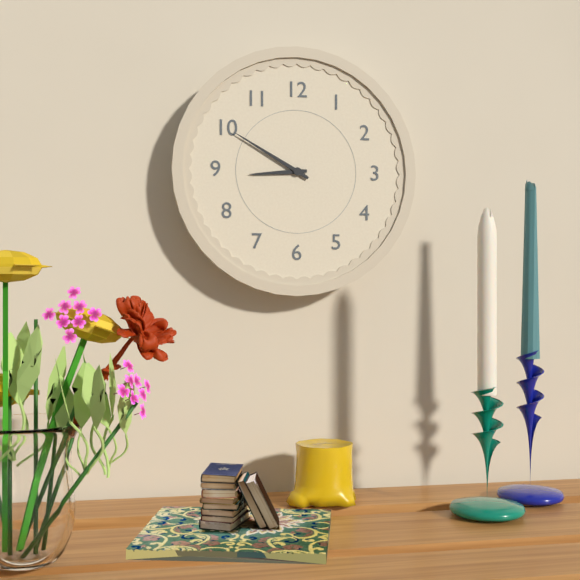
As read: {"hour": 8, "minute": 50}
